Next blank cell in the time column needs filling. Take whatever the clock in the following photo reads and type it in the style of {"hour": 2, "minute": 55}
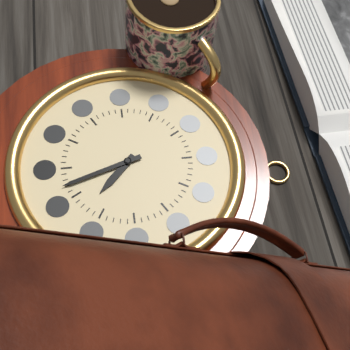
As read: {"hour": 4, "minute": 27}
